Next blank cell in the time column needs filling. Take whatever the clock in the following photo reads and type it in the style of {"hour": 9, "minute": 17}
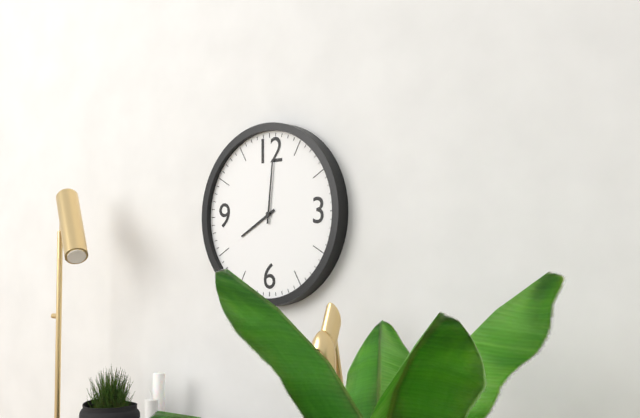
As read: {"hour": 8, "minute": 1}
